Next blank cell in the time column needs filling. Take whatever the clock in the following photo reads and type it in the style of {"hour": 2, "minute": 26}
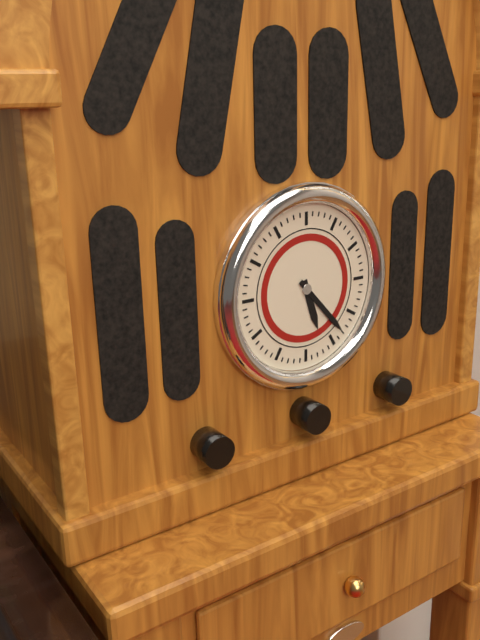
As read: {"hour": 5, "minute": 23}
